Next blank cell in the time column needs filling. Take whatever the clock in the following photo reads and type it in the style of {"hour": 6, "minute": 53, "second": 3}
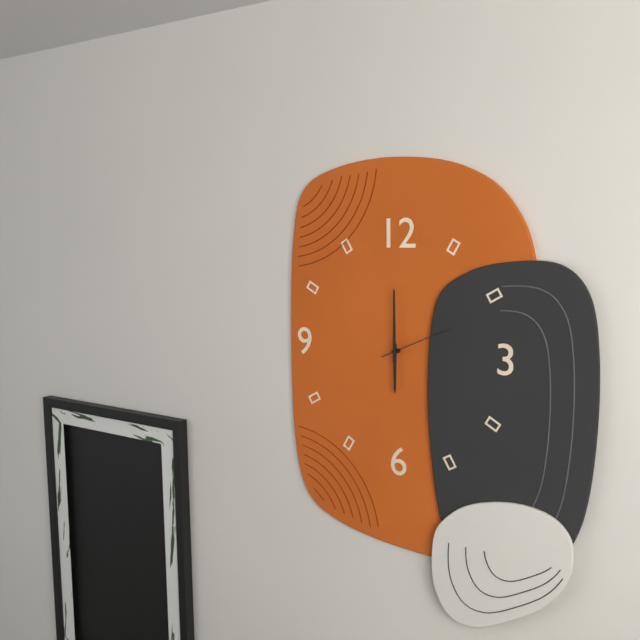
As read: {"hour": 6, "minute": 0, "second": 11}
